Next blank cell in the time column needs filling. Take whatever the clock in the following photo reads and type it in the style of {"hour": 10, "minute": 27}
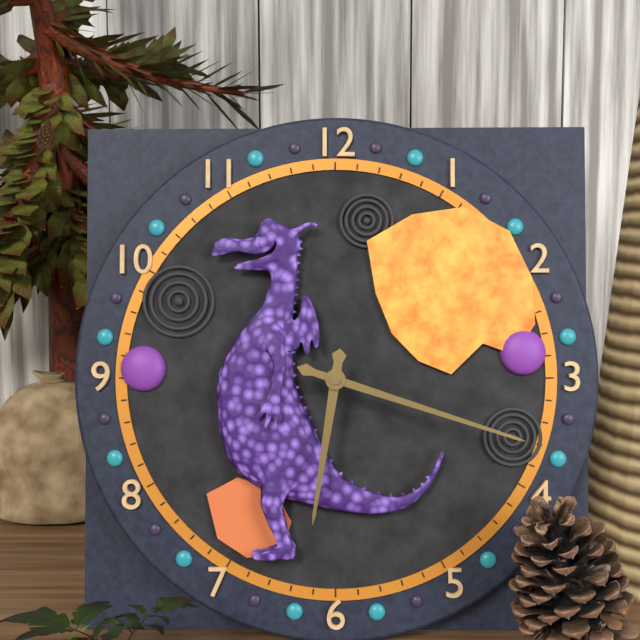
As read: {"hour": 6, "minute": 18}
